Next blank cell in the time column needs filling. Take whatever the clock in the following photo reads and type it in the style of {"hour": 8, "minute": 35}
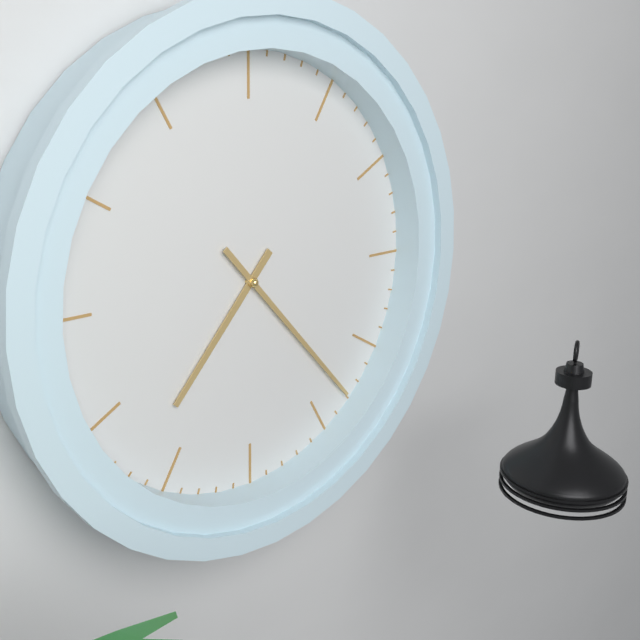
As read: {"hour": 7, "minute": 23}
